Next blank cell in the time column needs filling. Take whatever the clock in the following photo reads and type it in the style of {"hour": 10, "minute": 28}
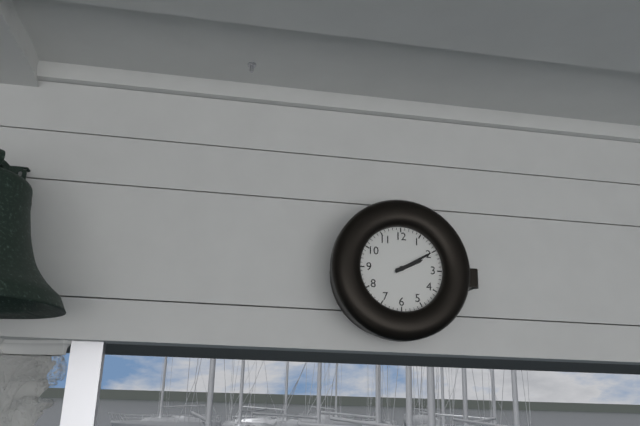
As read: {"hour": 2, "minute": 10}
